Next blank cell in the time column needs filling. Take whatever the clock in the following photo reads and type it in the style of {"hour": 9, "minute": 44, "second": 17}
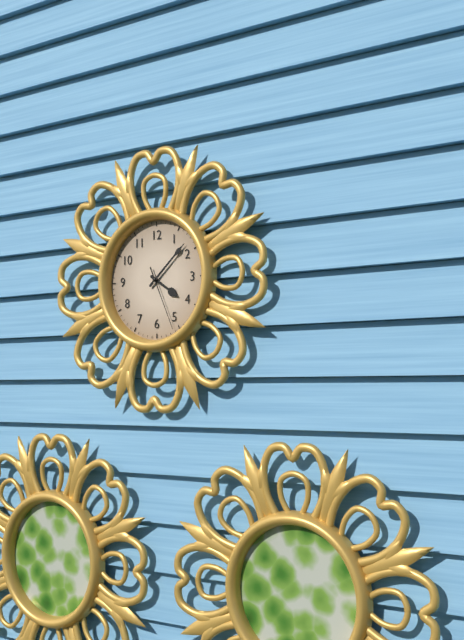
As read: {"hour": 4, "minute": 8, "second": 26}
